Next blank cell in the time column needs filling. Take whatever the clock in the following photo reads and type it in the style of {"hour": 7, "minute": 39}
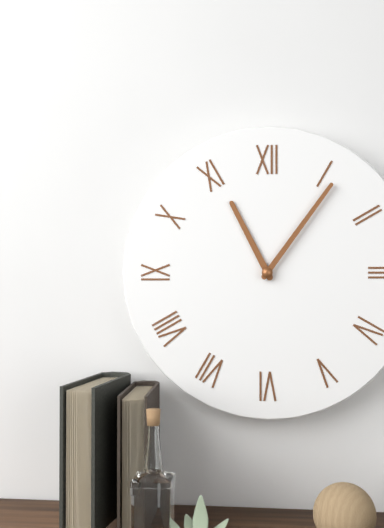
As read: {"hour": 11, "minute": 6}
